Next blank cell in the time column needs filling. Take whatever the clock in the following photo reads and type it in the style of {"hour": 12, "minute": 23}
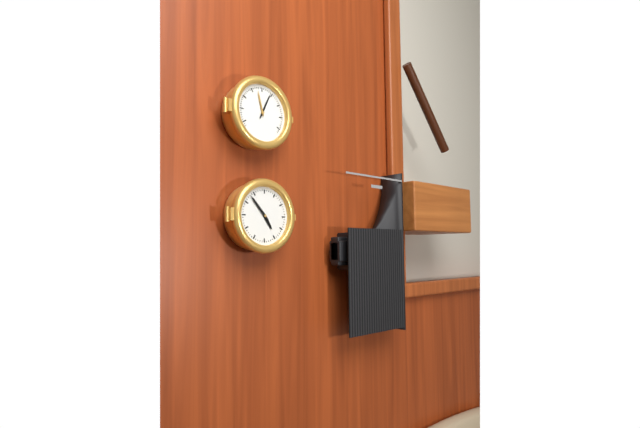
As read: {"hour": 4, "minute": 53}
